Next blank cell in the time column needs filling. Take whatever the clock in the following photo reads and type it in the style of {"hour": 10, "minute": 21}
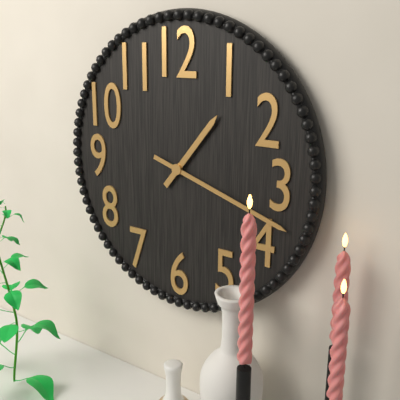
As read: {"hour": 1, "minute": 18}
